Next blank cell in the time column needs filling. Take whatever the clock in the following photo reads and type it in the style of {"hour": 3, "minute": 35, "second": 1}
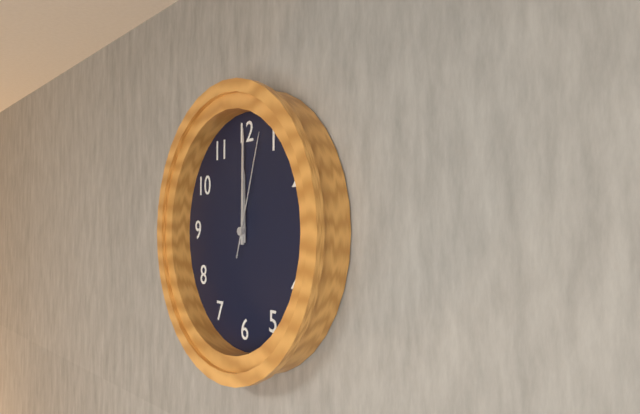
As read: {"hour": 12, "minute": 0, "second": 3}
